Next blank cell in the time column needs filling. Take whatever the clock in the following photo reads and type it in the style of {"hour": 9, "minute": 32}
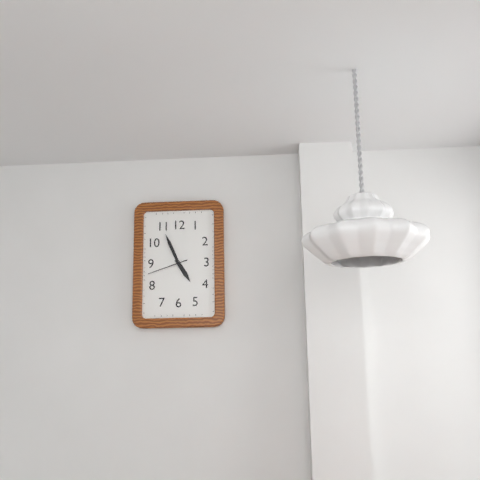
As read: {"hour": 4, "minute": 56}
